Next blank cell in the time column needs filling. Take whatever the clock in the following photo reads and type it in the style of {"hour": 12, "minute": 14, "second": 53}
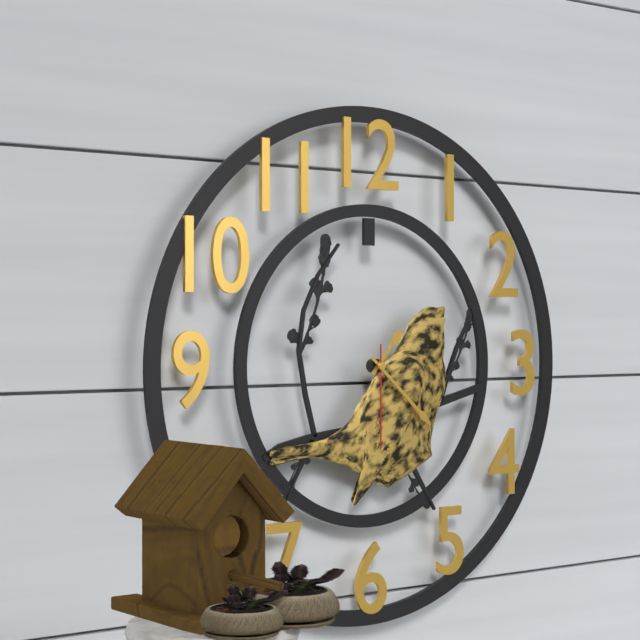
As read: {"hour": 1, "minute": 22, "second": 30}
